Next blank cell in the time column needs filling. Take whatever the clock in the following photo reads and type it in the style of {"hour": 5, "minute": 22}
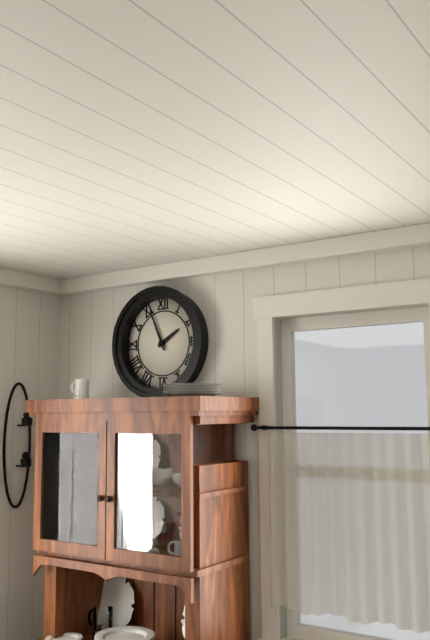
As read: {"hour": 1, "minute": 56}
